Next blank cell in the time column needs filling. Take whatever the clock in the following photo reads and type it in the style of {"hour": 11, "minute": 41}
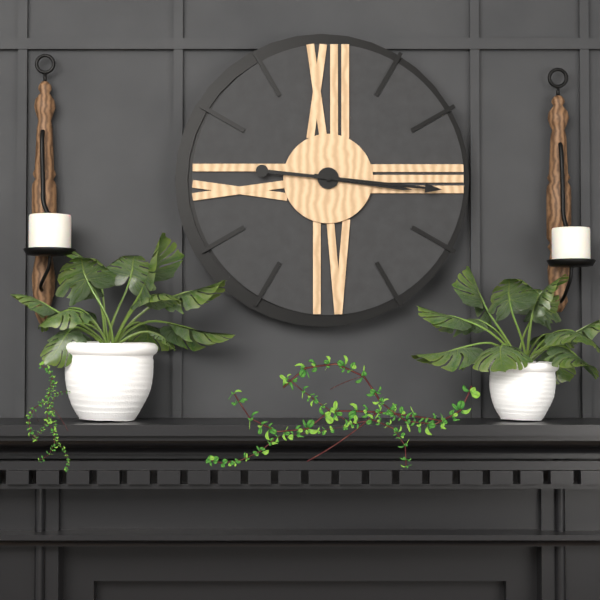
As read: {"hour": 3, "minute": 16}
